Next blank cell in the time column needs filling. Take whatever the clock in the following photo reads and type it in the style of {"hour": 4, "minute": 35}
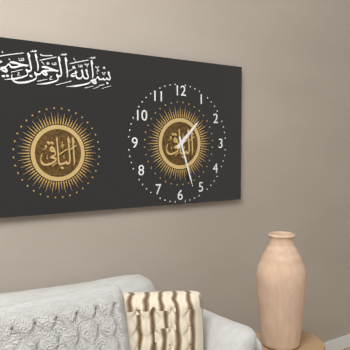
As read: {"hour": 1, "minute": 27}
